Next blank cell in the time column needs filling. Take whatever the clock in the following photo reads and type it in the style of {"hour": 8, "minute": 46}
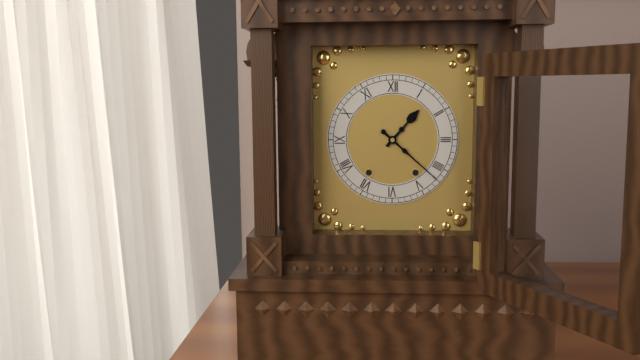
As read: {"hour": 1, "minute": 22}
